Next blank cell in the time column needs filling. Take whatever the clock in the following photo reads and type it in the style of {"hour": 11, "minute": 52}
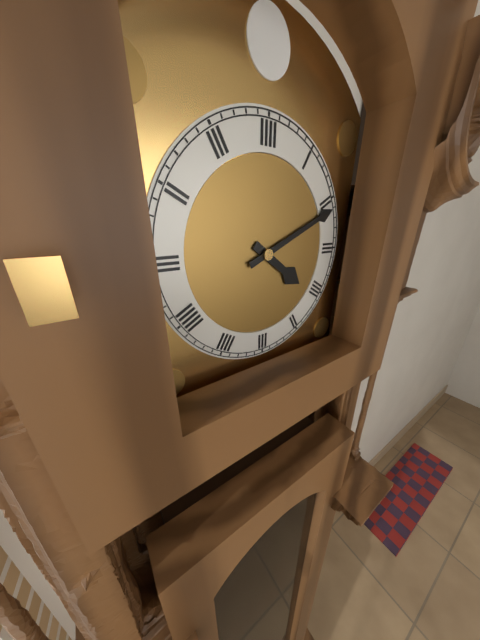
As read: {"hour": 4, "minute": 11}
